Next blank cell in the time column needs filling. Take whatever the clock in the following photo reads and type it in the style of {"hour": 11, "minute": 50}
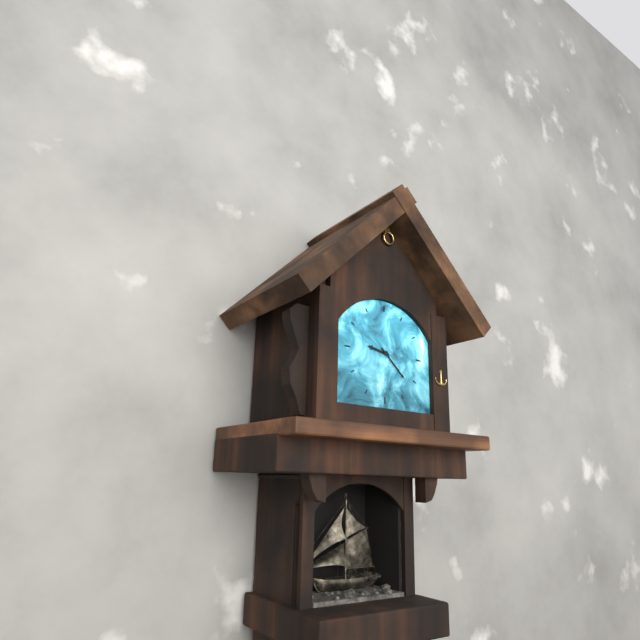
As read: {"hour": 9, "minute": 22}
